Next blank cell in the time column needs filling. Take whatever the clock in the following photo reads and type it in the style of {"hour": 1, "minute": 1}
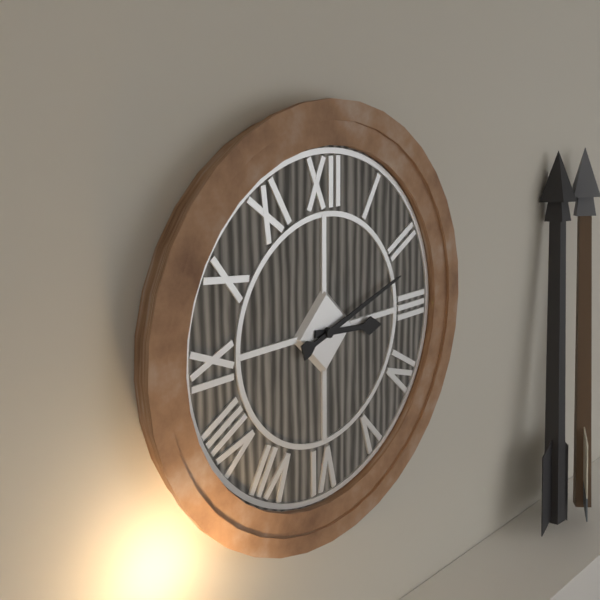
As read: {"hour": 3, "minute": 12}
